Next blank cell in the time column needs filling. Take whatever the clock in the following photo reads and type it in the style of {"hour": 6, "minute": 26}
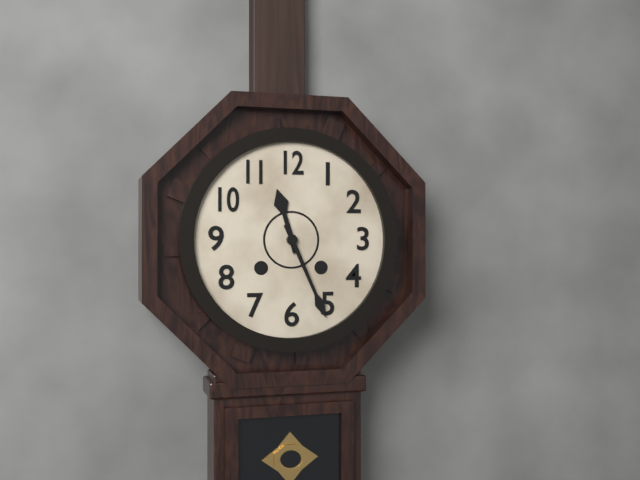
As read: {"hour": 11, "minute": 26}
